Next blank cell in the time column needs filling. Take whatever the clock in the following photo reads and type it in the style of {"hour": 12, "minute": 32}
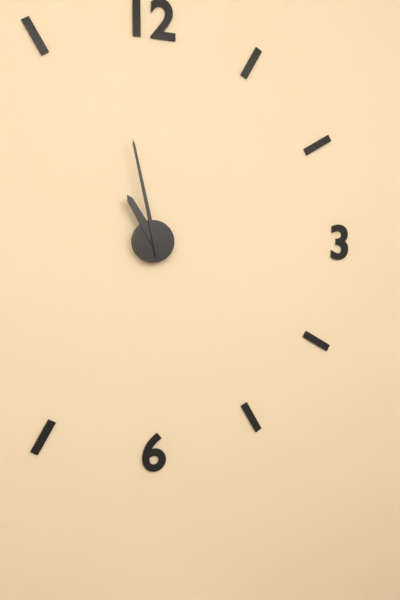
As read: {"hour": 10, "minute": 58}
